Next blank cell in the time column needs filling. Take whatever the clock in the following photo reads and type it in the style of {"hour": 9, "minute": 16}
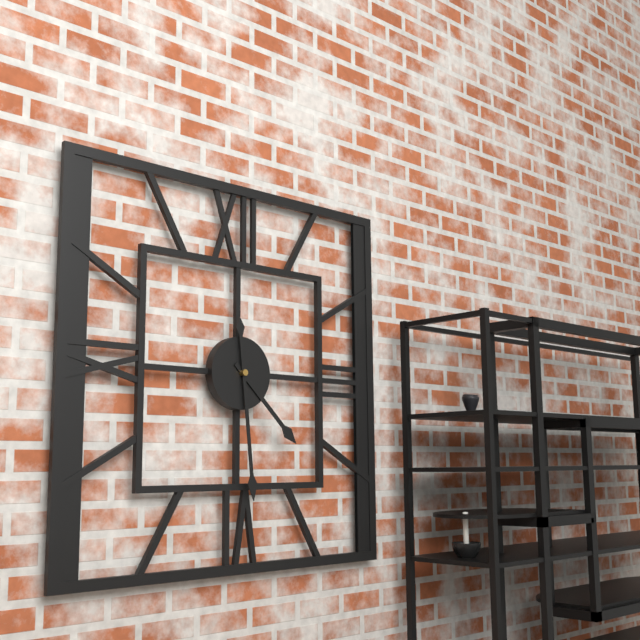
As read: {"hour": 4, "minute": 29}
